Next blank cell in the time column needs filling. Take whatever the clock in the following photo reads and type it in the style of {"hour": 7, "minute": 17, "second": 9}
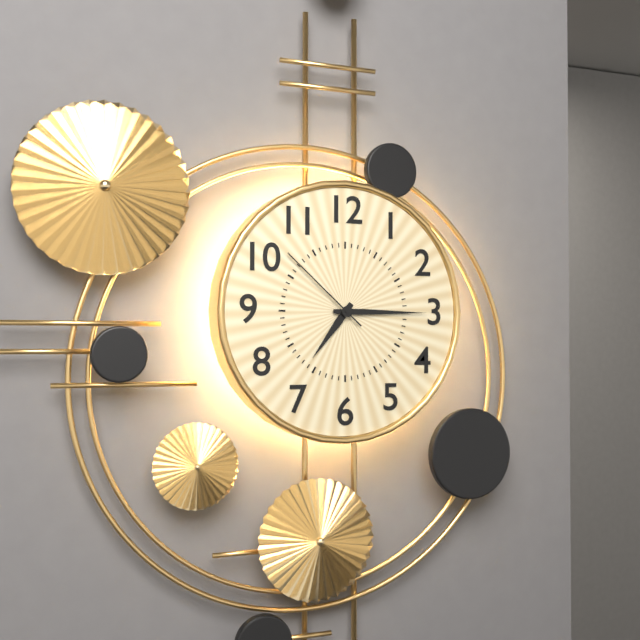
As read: {"hour": 7, "minute": 15, "second": 52}
